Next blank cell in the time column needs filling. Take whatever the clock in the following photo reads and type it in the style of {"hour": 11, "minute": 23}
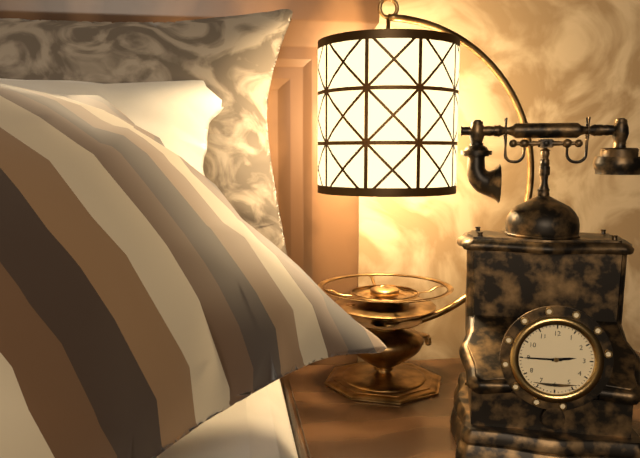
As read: {"hour": 2, "minute": 45}
